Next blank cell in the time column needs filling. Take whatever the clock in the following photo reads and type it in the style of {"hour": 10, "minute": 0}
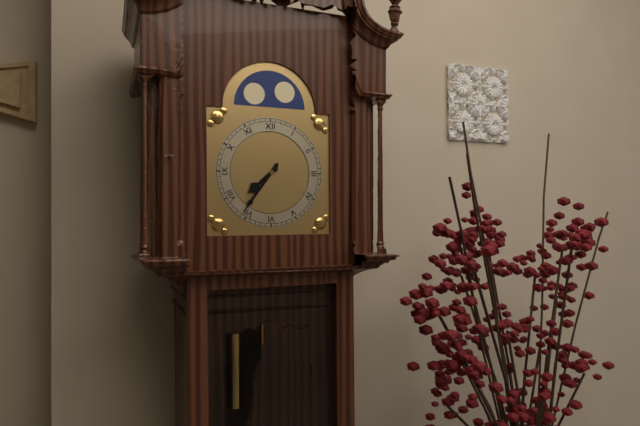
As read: {"hour": 7, "minute": 36}
